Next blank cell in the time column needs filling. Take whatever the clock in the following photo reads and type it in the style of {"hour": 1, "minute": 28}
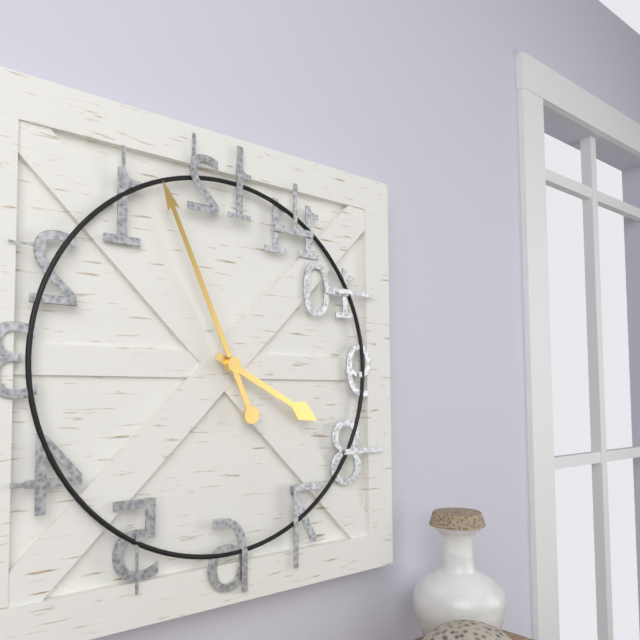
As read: {"hour": 3, "minute": 56}
